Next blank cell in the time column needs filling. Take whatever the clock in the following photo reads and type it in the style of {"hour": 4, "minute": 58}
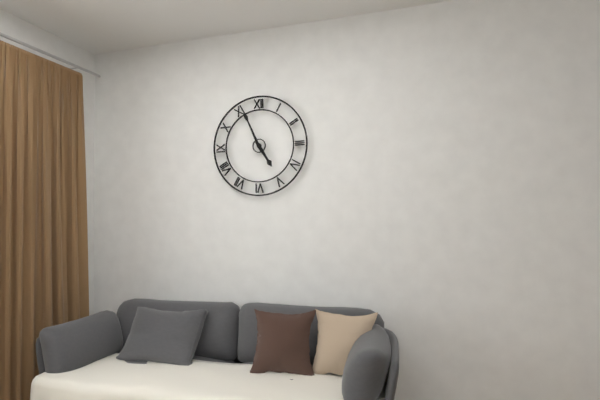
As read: {"hour": 4, "minute": 56}
